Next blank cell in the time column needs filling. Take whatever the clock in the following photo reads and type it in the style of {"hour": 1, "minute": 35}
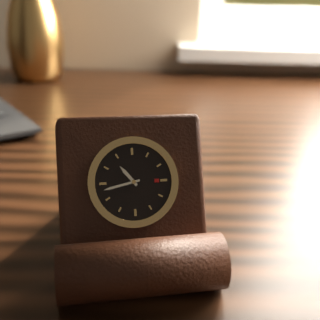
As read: {"hour": 10, "minute": 43}
